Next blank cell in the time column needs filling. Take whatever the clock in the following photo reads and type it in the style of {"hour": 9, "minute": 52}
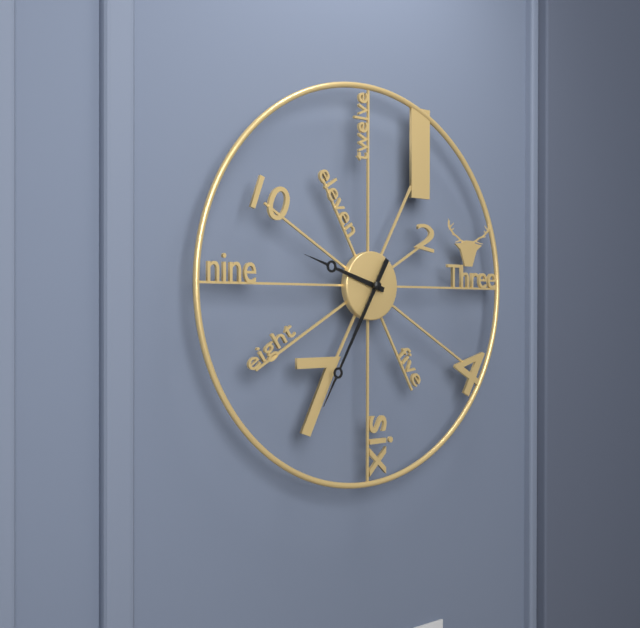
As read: {"hour": 9, "minute": 35}
